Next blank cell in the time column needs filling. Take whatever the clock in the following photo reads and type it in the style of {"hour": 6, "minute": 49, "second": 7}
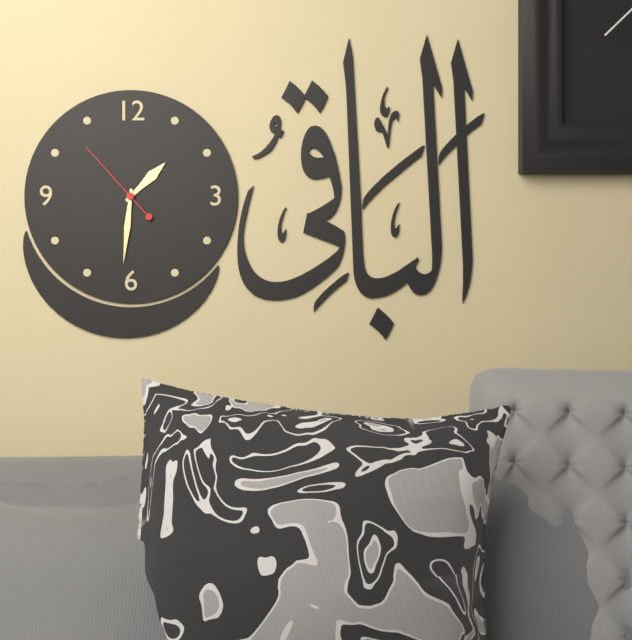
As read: {"hour": 1, "minute": 31, "second": 53}
